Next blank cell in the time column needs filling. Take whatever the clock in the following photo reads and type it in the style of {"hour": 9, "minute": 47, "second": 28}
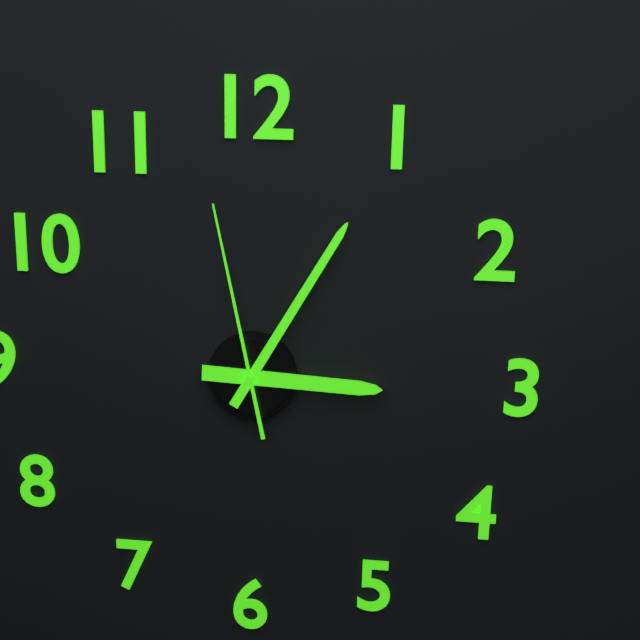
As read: {"hour": 3, "minute": 5, "second": 58}
